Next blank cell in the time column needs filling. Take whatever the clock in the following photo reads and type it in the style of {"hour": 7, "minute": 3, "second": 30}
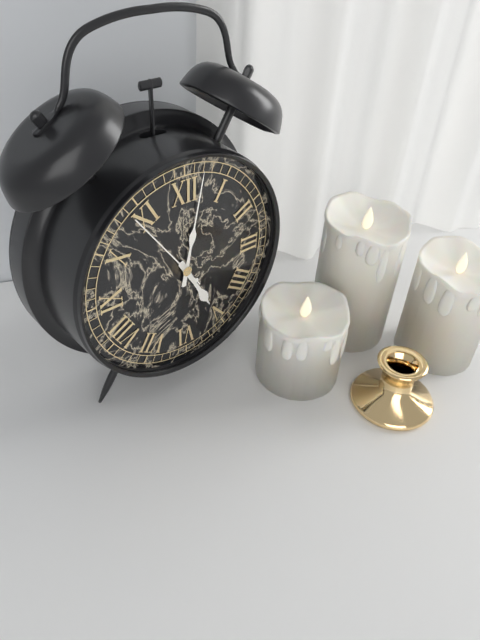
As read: {"hour": 5, "minute": 2, "second": 54}
